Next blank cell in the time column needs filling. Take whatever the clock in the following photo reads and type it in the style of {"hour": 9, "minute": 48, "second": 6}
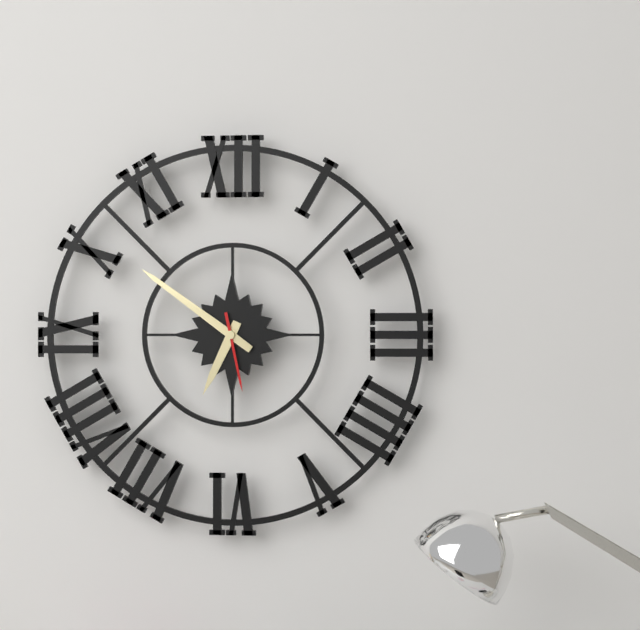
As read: {"hour": 6, "minute": 51, "second": 28}
